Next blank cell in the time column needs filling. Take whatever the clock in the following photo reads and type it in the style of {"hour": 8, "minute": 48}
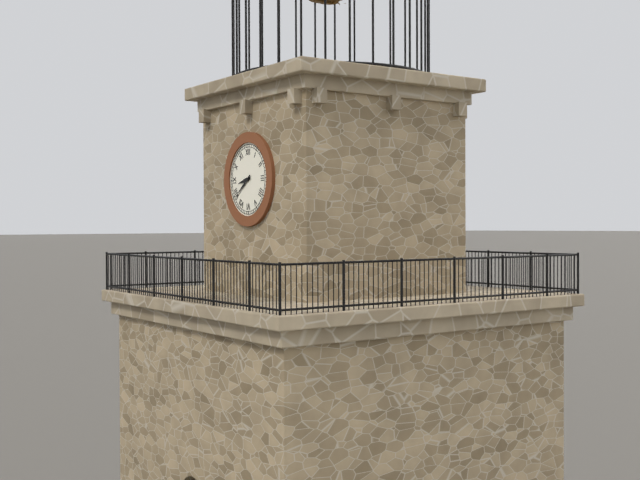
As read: {"hour": 8, "minute": 39}
